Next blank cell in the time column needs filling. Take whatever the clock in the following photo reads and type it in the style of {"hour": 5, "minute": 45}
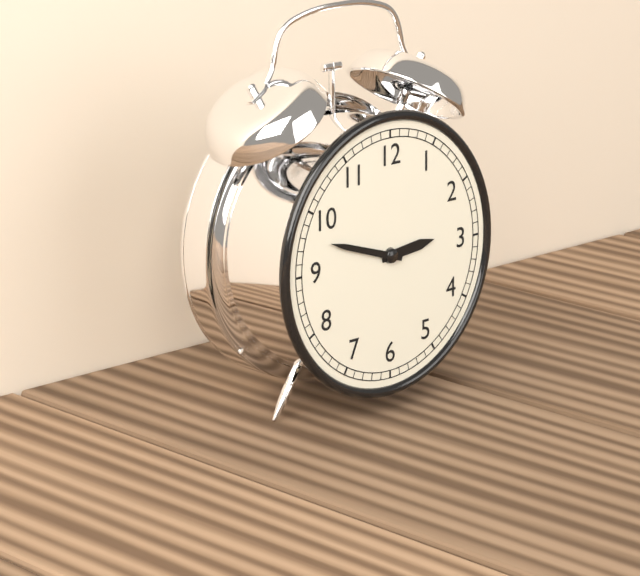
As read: {"hour": 2, "minute": 48}
